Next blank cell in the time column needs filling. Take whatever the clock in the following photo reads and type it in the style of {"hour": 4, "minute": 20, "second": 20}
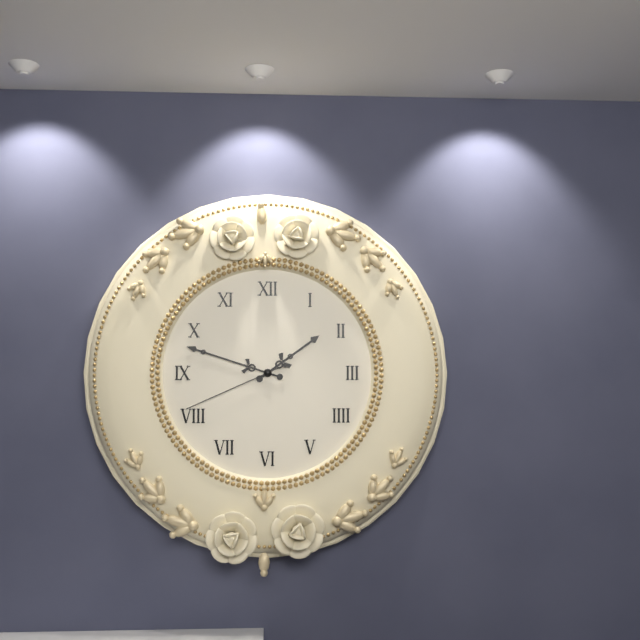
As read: {"hour": 1, "minute": 48, "second": 41}
